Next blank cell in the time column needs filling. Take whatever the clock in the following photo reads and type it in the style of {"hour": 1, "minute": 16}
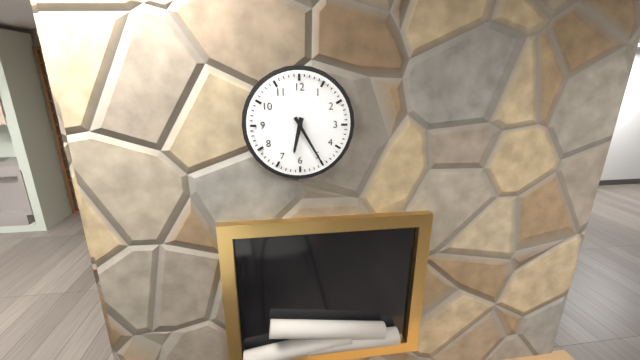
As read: {"hour": 6, "minute": 25}
